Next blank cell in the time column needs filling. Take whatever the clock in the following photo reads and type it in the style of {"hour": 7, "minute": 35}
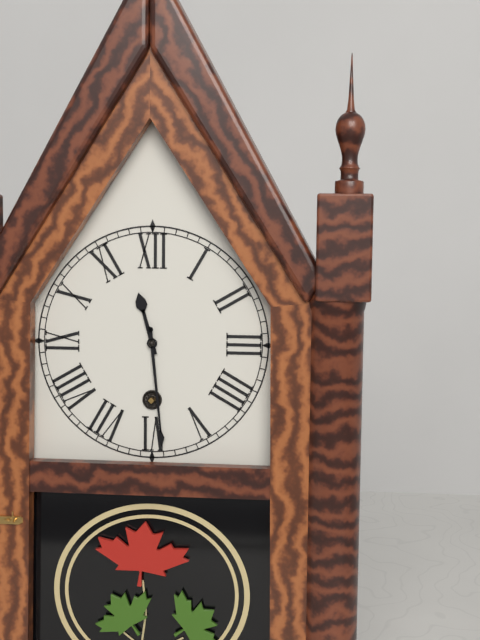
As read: {"hour": 11, "minute": 29}
